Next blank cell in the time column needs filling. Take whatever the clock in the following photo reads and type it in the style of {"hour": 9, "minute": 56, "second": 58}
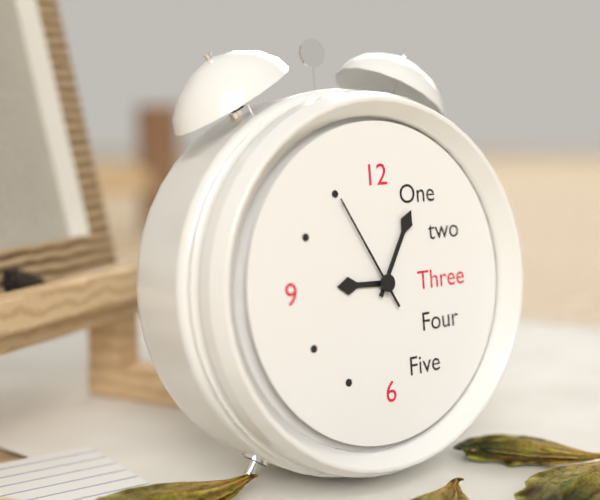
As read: {"hour": 9, "minute": 5, "second": 55}
